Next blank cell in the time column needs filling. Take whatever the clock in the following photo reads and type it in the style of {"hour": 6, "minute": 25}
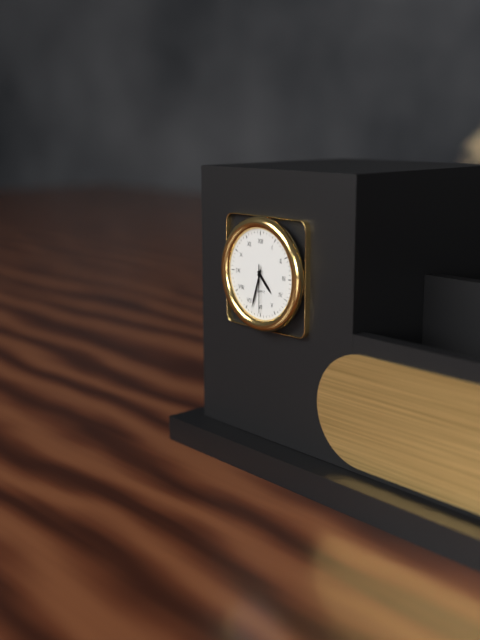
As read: {"hour": 4, "minute": 33}
